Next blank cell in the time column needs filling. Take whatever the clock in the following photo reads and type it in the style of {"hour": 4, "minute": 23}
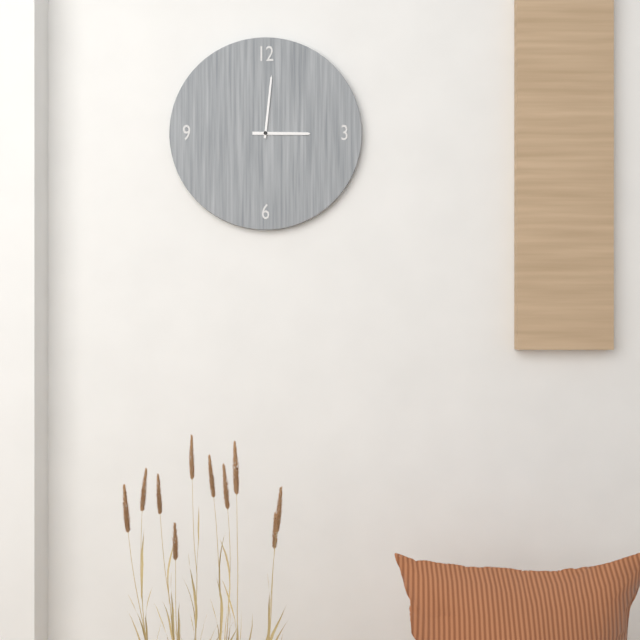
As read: {"hour": 3, "minute": 1}
